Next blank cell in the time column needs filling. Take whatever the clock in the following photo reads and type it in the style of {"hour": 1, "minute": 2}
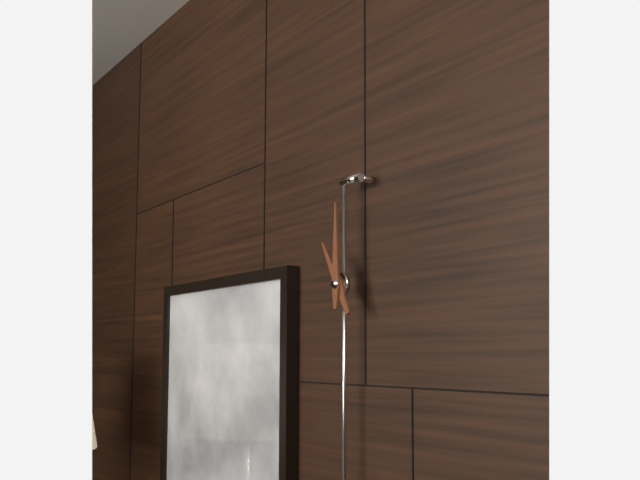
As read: {"hour": 11, "minute": 0}
